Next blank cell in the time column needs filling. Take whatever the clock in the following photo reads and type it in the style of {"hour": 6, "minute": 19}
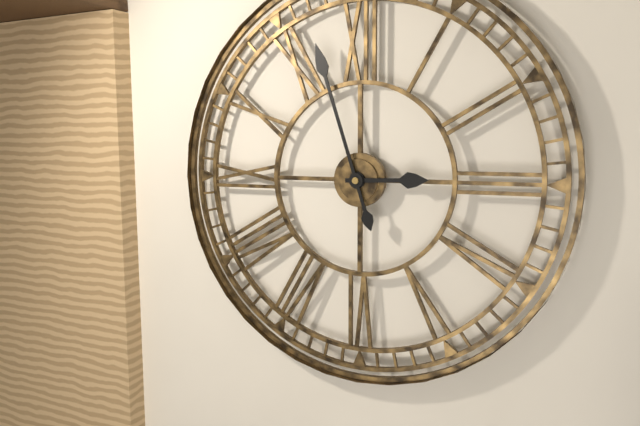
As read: {"hour": 2, "minute": 57}
